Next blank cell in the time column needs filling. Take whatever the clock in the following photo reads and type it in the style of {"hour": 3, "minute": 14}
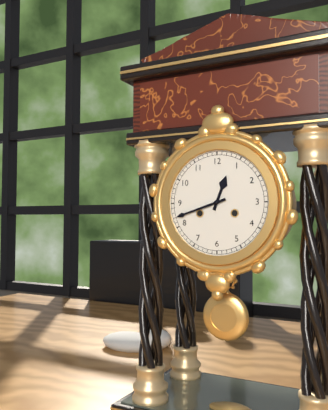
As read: {"hour": 12, "minute": 42}
